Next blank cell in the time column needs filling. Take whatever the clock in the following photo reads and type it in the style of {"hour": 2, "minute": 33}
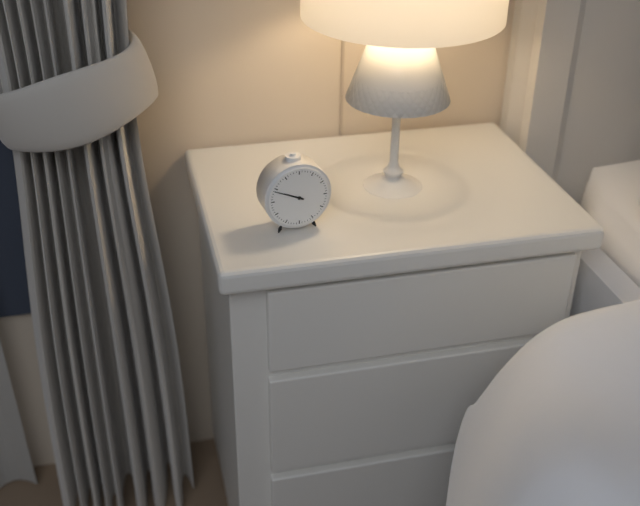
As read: {"hour": 9, "minute": 49}
